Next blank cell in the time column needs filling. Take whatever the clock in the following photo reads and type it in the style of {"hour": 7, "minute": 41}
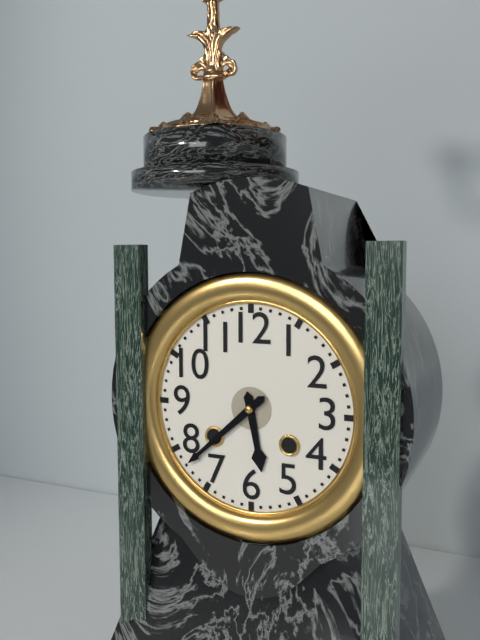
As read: {"hour": 5, "minute": 38}
